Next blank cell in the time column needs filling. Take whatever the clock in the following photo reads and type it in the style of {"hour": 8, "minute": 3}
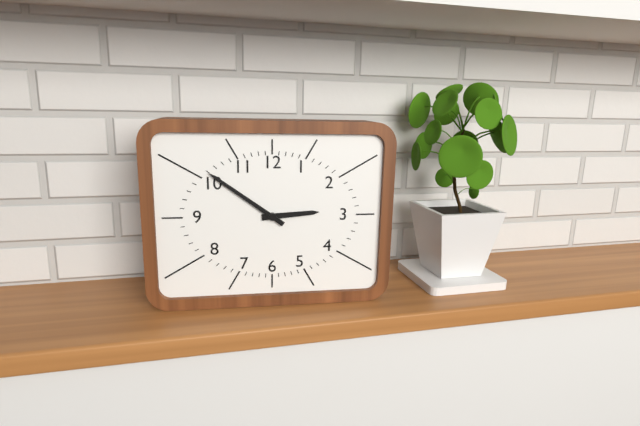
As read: {"hour": 2, "minute": 51}
